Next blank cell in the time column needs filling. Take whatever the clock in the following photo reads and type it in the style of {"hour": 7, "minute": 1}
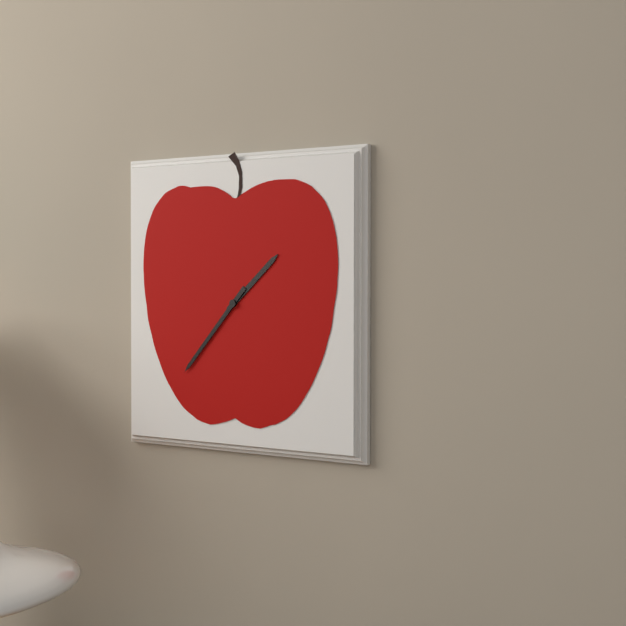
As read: {"hour": 1, "minute": 37}
